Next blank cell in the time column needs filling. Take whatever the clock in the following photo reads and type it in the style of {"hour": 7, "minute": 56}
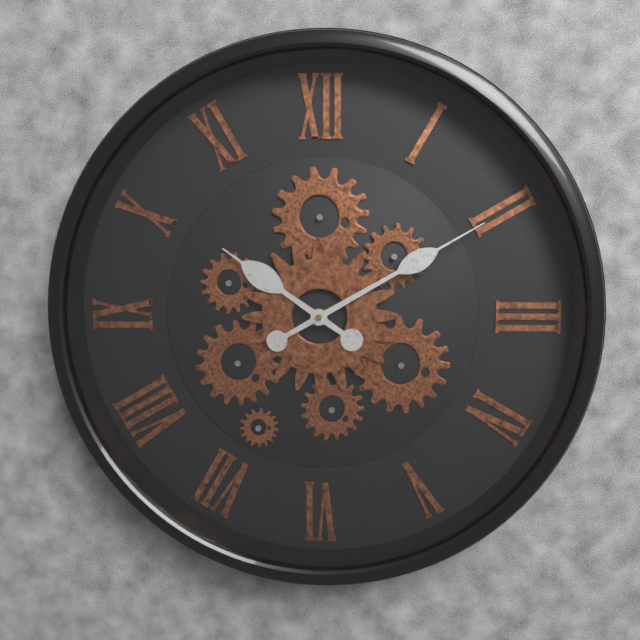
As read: {"hour": 10, "minute": 10}
